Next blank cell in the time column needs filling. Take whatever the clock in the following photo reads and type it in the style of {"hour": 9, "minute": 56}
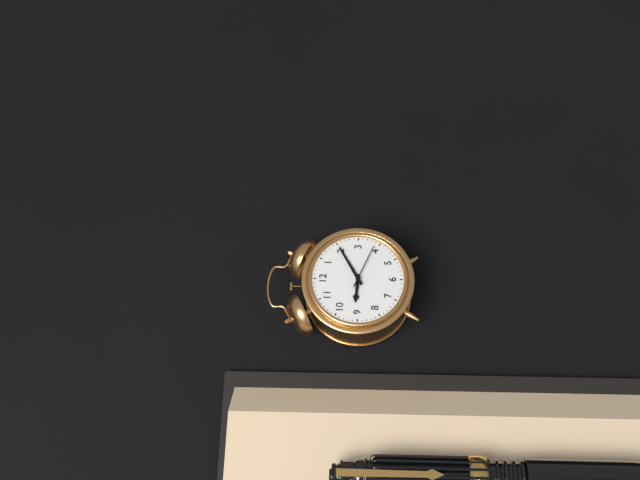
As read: {"hour": 9, "minute": 10}
